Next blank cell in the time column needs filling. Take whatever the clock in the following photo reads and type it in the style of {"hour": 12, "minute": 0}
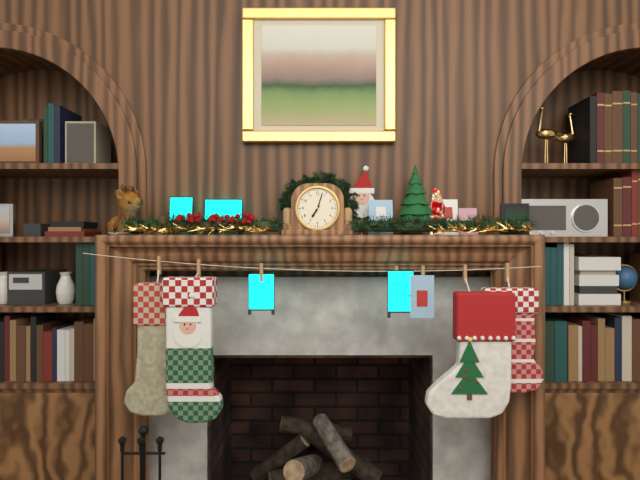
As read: {"hour": 7, "minute": 3}
